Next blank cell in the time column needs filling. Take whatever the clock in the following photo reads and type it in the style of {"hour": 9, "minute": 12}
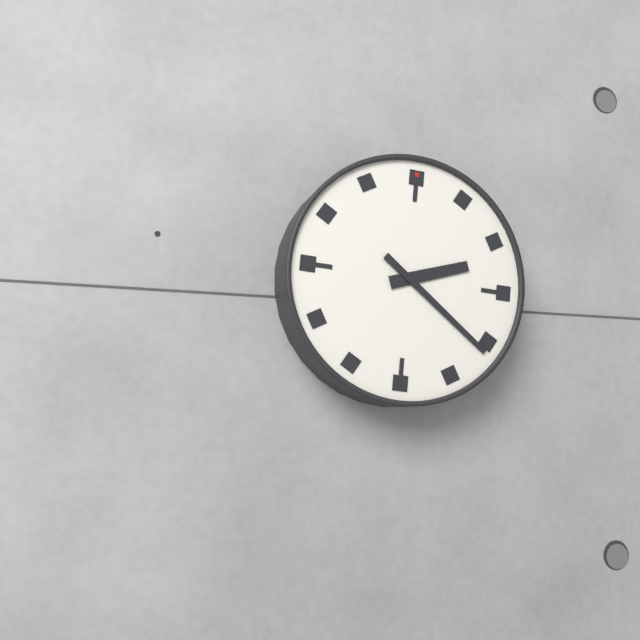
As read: {"hour": 2, "minute": 21}
